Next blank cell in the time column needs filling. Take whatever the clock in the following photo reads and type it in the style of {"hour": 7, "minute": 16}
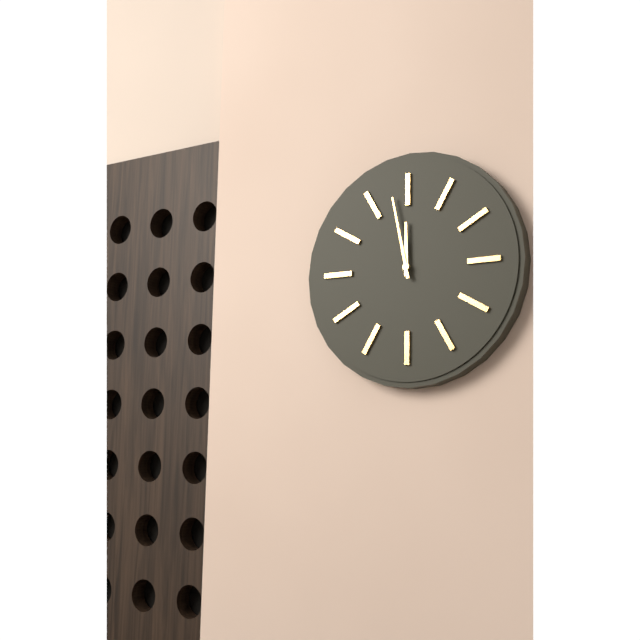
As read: {"hour": 11, "minute": 58}
